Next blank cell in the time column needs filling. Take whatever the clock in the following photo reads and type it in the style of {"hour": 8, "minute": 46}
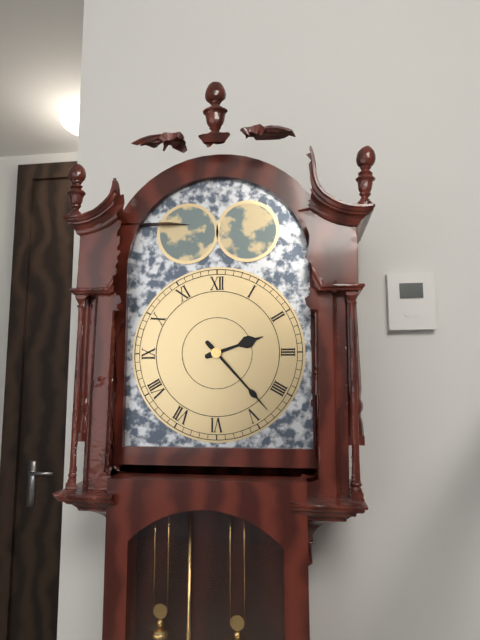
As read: {"hour": 2, "minute": 23}
